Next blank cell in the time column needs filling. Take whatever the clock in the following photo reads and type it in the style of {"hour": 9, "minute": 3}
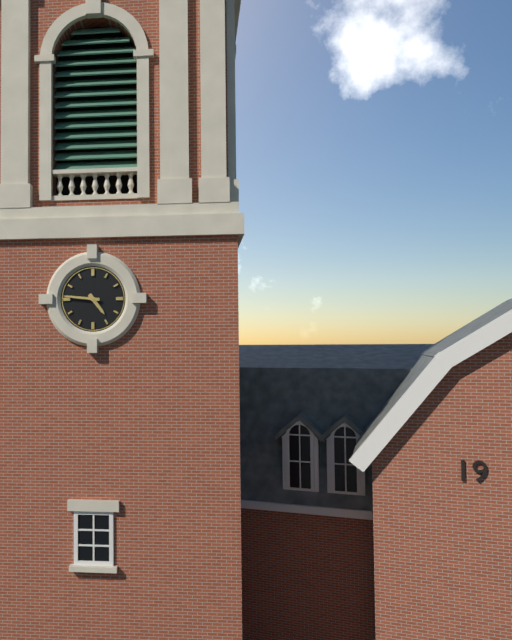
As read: {"hour": 4, "minute": 46}
